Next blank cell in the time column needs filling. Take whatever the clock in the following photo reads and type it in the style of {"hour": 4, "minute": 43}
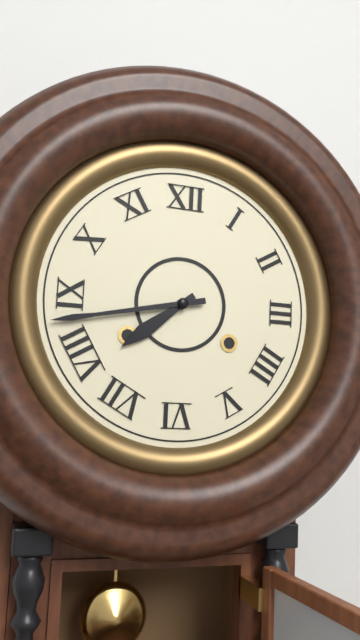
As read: {"hour": 7, "minute": 43}
